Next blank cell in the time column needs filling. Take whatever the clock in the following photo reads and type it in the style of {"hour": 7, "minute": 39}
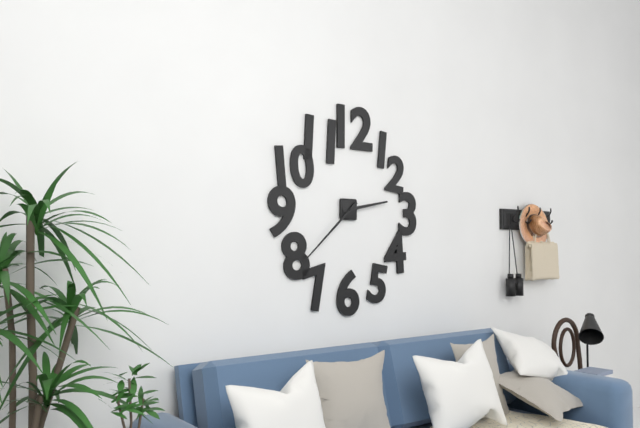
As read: {"hour": 2, "minute": 38}
